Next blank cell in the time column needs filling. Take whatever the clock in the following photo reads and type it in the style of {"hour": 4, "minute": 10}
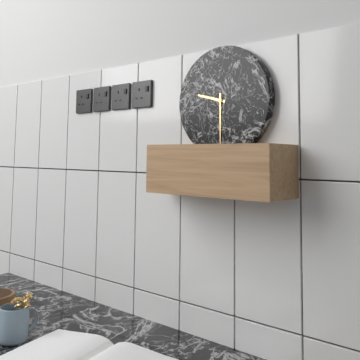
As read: {"hour": 9, "minute": 30}
